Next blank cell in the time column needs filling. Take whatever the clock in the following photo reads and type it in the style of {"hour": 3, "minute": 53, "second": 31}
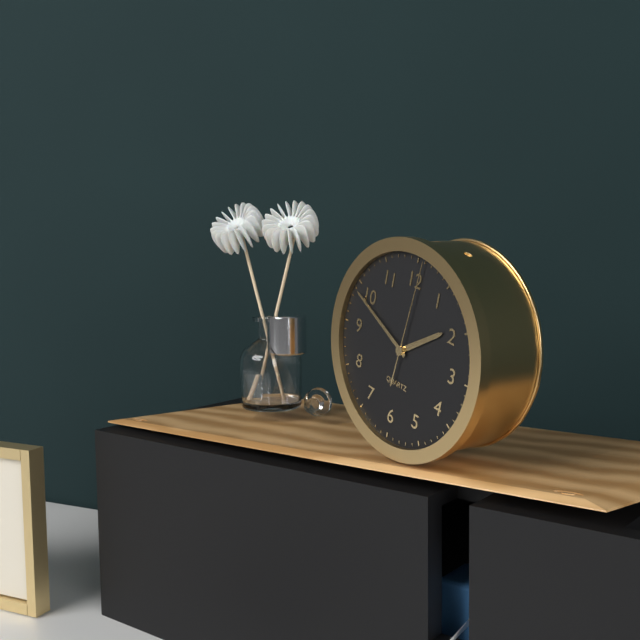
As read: {"hour": 1, "minute": 49, "second": 1}
